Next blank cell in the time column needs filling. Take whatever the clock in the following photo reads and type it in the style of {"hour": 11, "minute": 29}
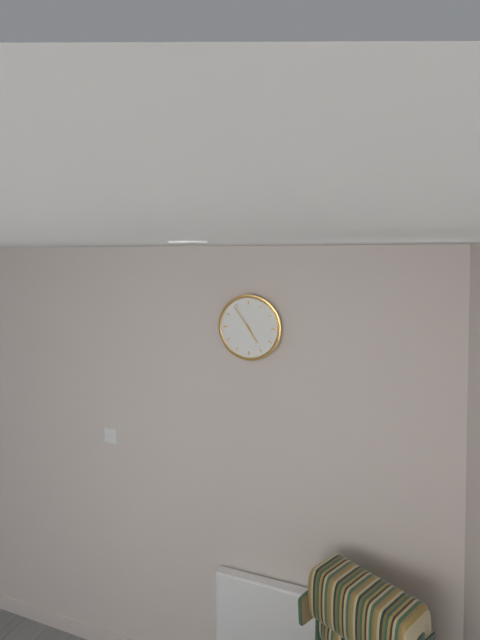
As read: {"hour": 4, "minute": 54}
